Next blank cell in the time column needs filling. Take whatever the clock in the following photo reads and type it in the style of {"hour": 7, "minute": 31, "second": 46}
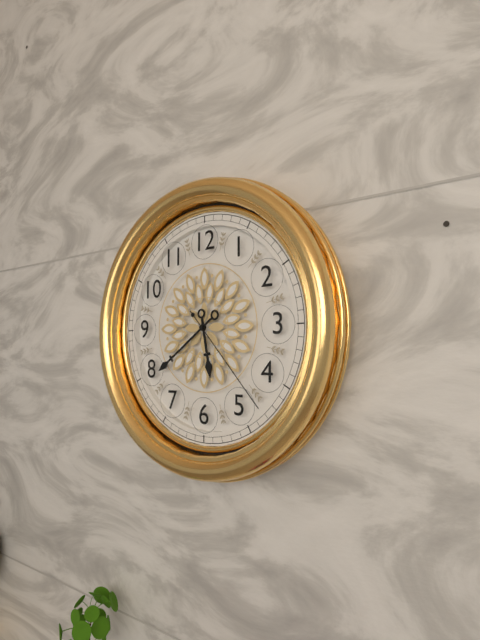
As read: {"hour": 5, "minute": 39, "second": 23}
